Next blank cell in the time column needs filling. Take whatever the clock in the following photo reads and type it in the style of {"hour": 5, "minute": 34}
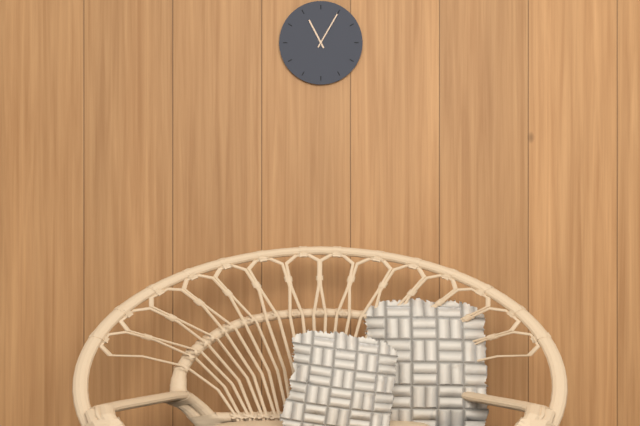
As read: {"hour": 11, "minute": 5}
